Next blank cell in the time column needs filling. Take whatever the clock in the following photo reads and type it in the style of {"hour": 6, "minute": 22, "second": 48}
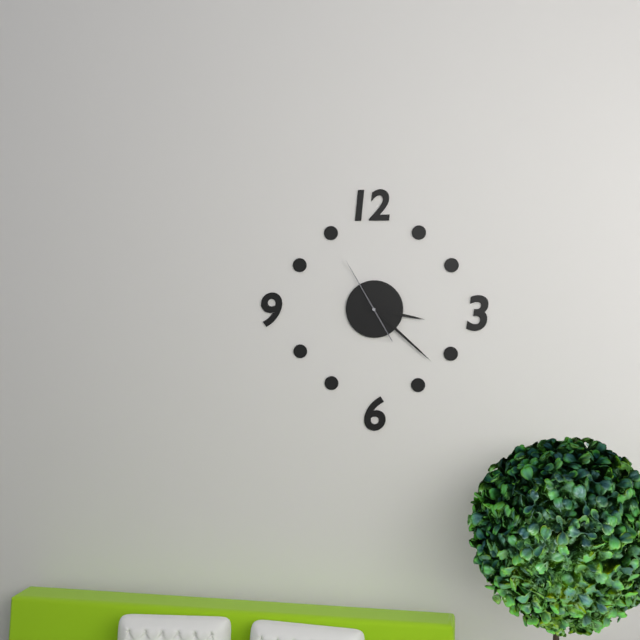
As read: {"hour": 3, "minute": 22, "second": 55}
